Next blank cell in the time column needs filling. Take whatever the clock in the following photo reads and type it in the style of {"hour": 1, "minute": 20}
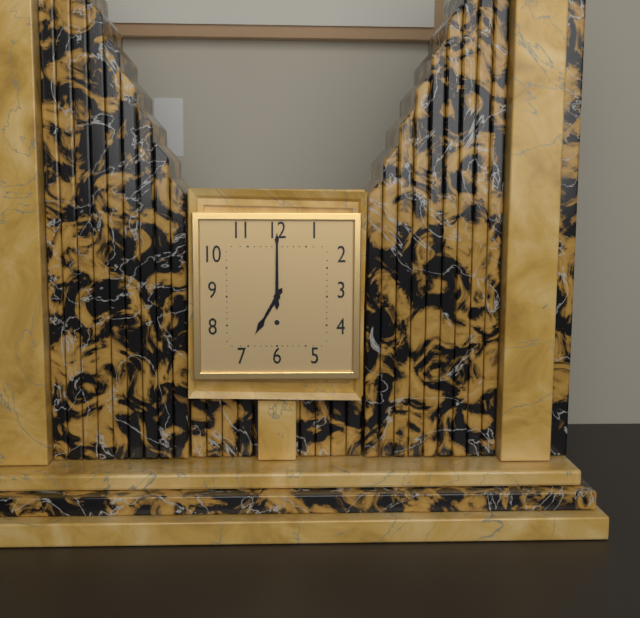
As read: {"hour": 7, "minute": 0}
